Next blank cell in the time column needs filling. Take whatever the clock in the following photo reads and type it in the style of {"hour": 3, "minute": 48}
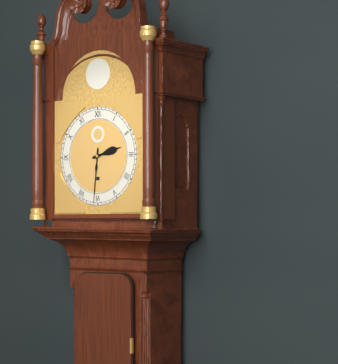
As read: {"hour": 2, "minute": 31}
